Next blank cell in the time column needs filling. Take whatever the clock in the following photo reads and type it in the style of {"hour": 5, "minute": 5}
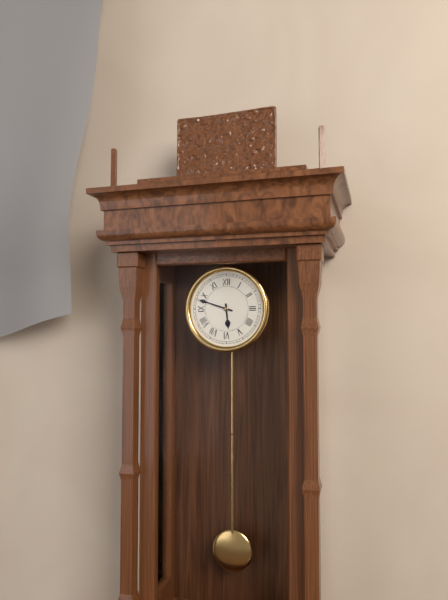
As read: {"hour": 5, "minute": 48}
